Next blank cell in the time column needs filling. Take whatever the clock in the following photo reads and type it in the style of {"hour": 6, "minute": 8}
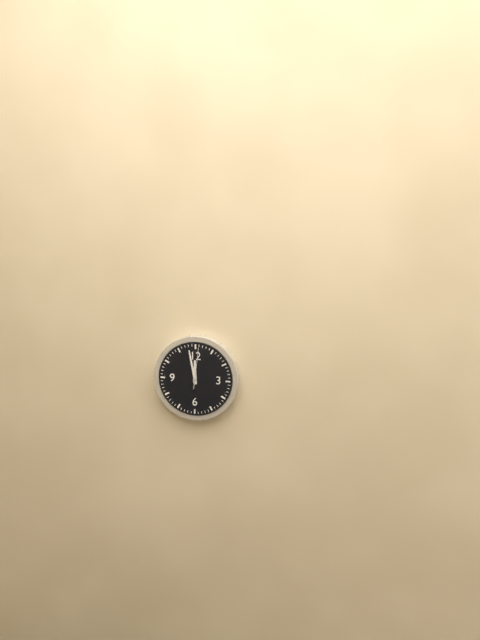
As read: {"hour": 11, "minute": 58}
